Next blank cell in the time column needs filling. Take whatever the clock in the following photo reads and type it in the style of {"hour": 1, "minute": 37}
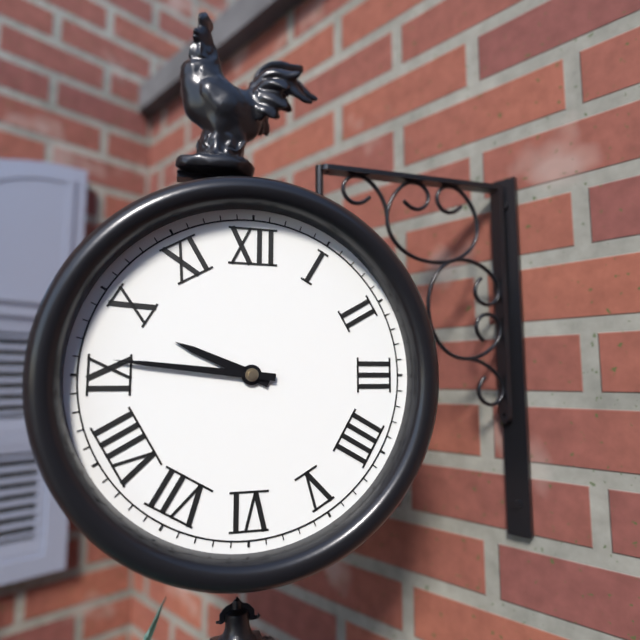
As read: {"hour": 9, "minute": 46}
